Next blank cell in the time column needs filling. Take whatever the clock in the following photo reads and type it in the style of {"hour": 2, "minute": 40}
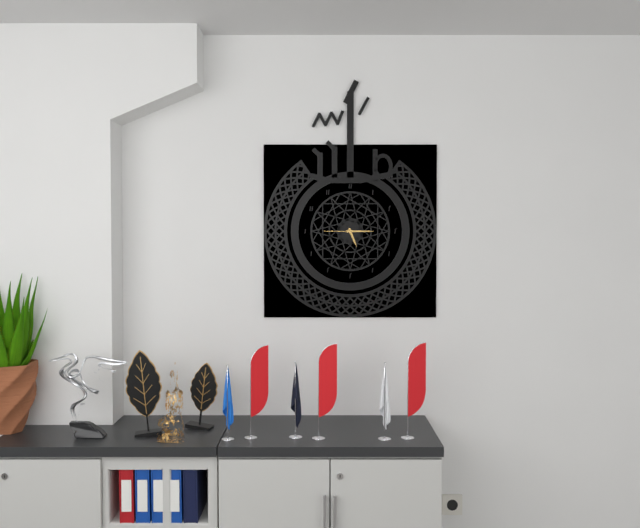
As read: {"hour": 5, "minute": 15}
